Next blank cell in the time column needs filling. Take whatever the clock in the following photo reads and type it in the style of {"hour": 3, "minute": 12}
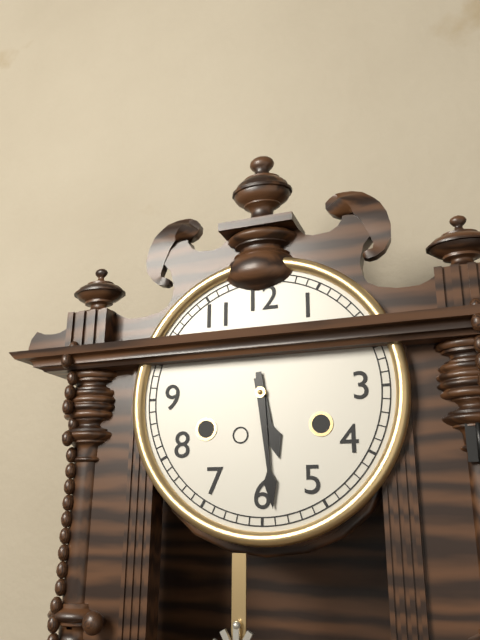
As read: {"hour": 5, "minute": 29}
